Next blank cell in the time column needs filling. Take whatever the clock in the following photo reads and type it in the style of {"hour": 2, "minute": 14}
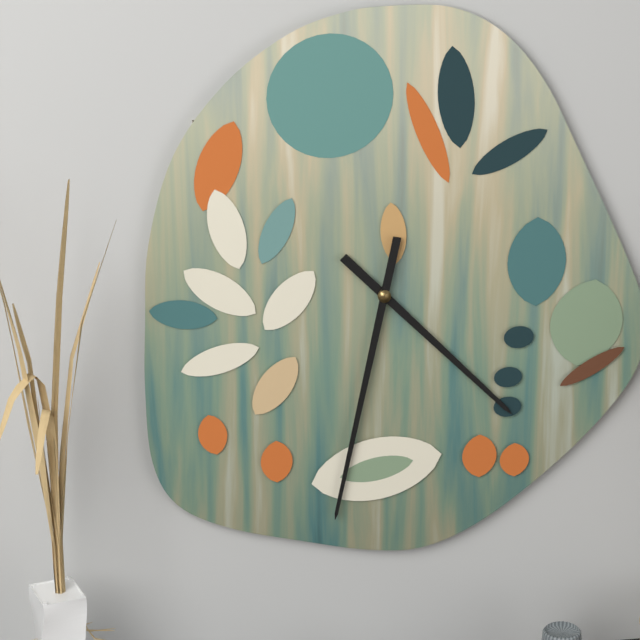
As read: {"hour": 4, "minute": 32}
